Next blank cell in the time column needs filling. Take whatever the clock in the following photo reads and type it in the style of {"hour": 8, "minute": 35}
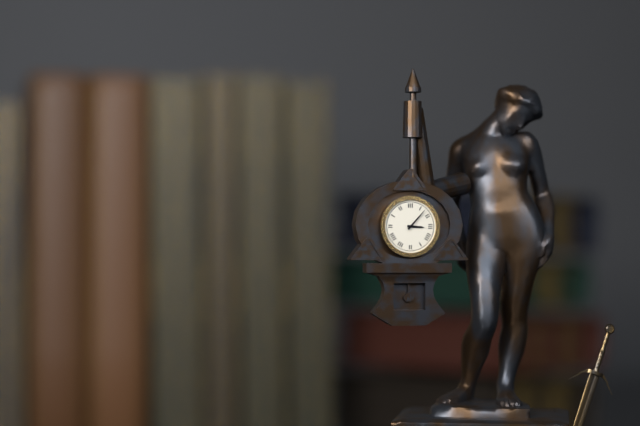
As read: {"hour": 3, "minute": 7}
